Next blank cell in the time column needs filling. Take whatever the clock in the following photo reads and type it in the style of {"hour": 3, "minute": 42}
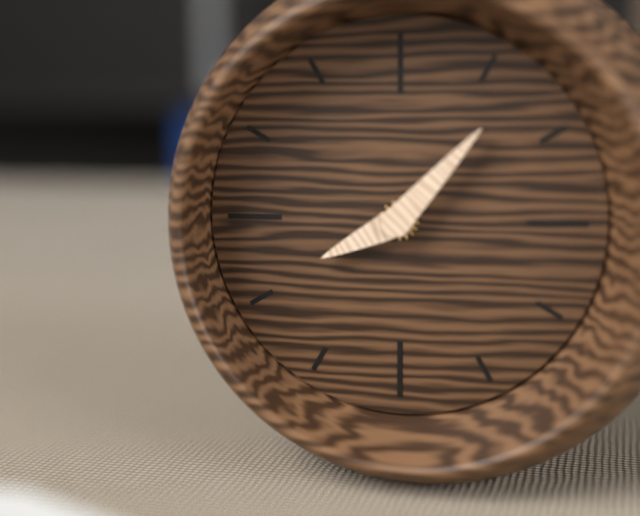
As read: {"hour": 8, "minute": 7}
